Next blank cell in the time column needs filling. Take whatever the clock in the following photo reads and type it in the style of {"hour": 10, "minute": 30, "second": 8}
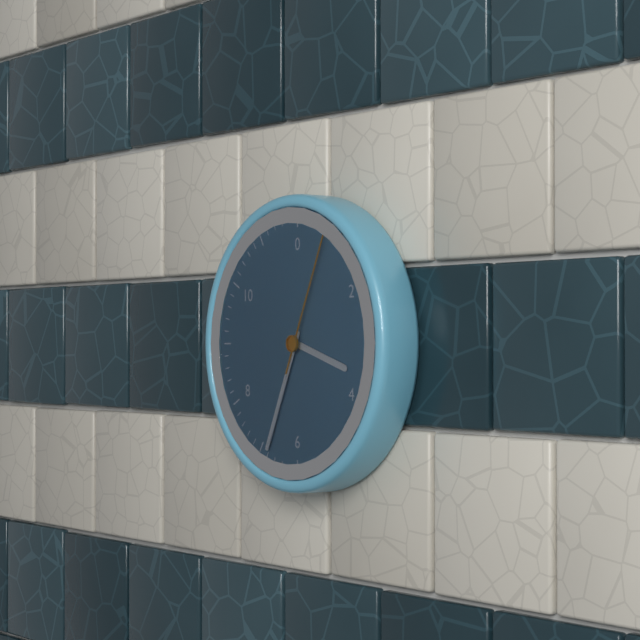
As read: {"hour": 3, "minute": 34, "second": 4}
